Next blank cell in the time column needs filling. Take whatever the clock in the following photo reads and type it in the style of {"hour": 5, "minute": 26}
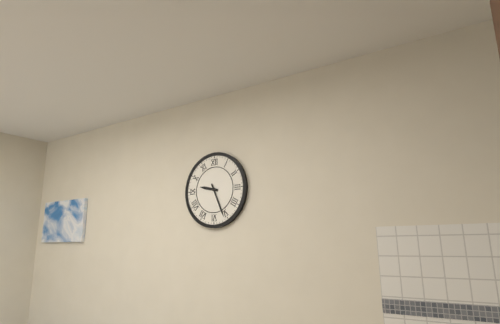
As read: {"hour": 9, "minute": 26}
